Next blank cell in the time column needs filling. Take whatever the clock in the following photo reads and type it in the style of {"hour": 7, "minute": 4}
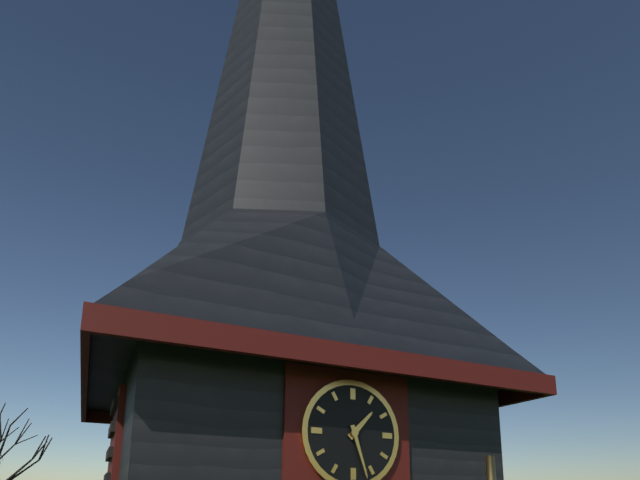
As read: {"hour": 1, "minute": 27}
